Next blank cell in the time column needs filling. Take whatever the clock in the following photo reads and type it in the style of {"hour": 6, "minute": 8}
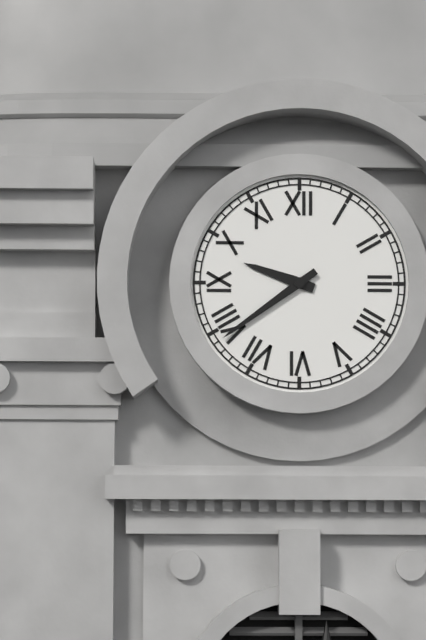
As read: {"hour": 9, "minute": 39}
